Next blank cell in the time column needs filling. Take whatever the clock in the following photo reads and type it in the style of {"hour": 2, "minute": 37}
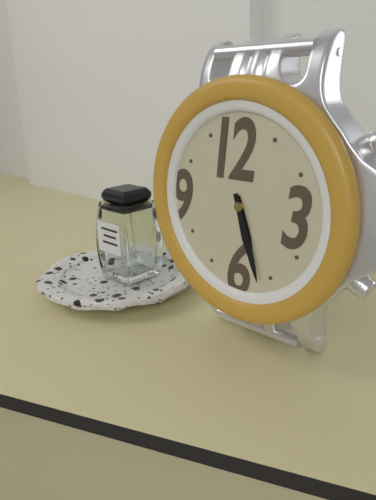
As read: {"hour": 5, "minute": 27}
